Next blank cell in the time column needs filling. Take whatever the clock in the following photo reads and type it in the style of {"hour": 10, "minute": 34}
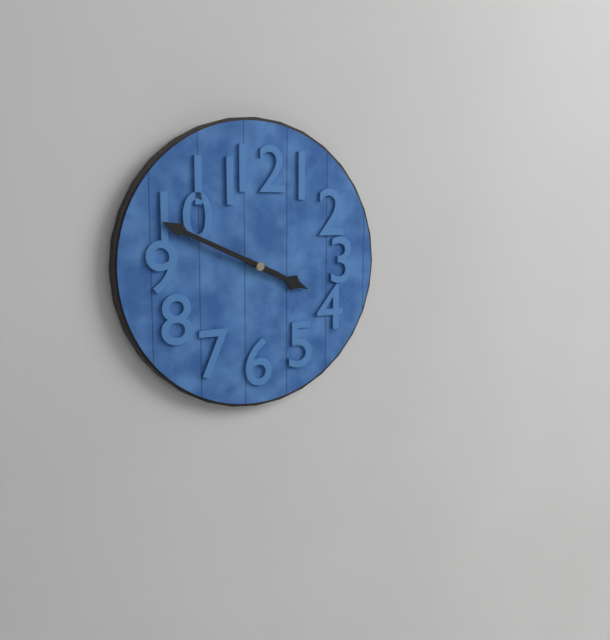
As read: {"hour": 3, "minute": 49}
